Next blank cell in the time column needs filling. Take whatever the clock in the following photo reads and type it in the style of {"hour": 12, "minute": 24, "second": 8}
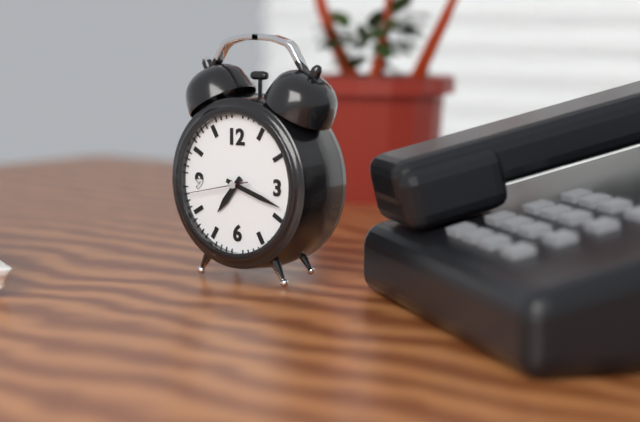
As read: {"hour": 7, "minute": 18, "second": 43}
